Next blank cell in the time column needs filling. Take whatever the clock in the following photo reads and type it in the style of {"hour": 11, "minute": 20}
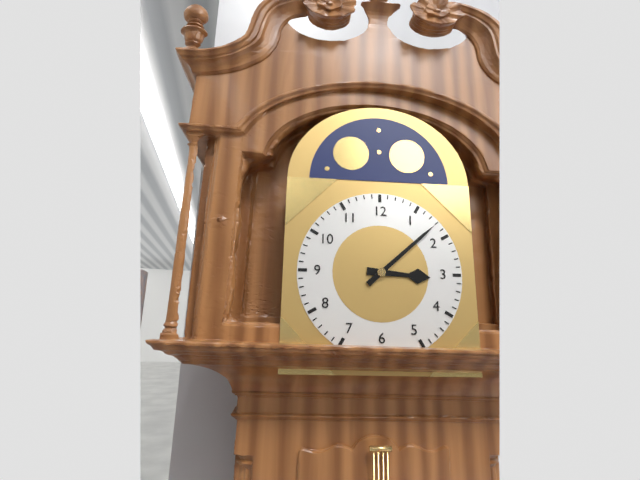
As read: {"hour": 3, "minute": 8}
